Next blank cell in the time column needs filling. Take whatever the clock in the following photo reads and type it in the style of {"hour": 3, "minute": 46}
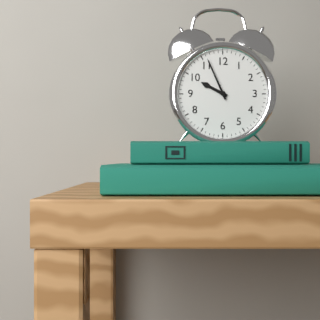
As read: {"hour": 9, "minute": 56}
